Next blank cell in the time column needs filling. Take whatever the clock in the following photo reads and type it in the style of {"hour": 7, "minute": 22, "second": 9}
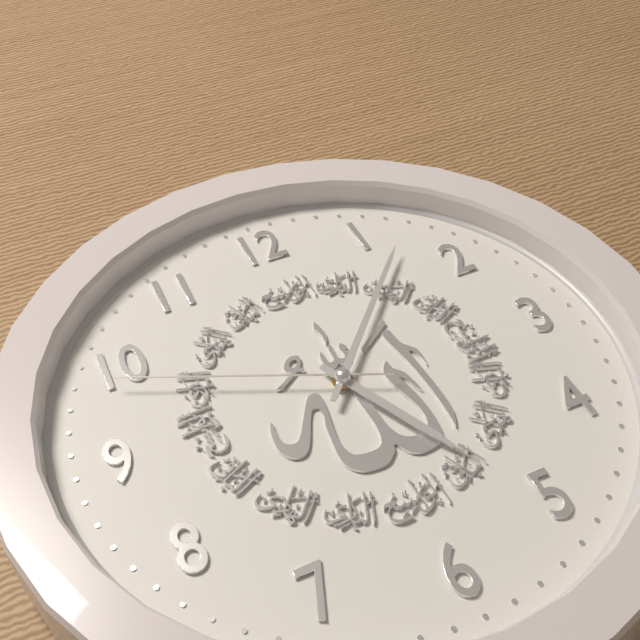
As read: {"hour": 5, "minute": 7, "second": 49}
